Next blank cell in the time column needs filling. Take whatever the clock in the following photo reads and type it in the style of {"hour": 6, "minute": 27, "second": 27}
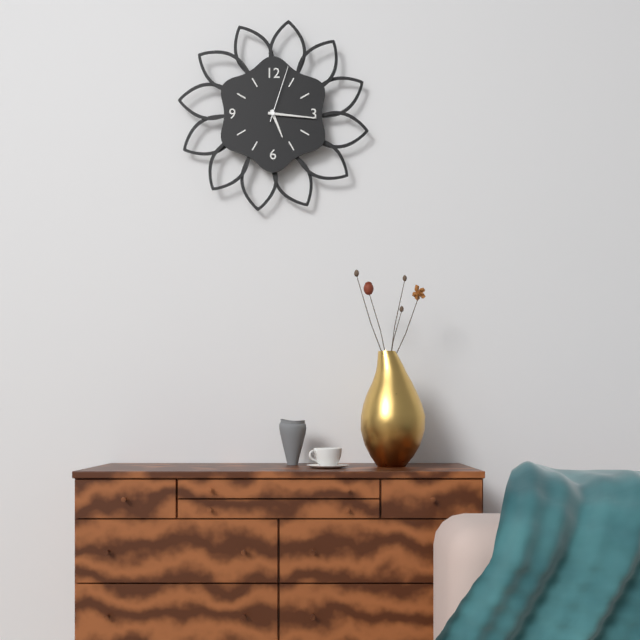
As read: {"hour": 5, "minute": 16, "second": 3}
